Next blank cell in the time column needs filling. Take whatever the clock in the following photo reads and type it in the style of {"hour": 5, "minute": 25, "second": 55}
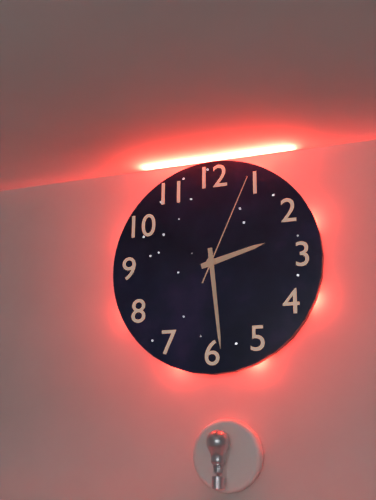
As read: {"hour": 2, "minute": 29, "second": 4}
